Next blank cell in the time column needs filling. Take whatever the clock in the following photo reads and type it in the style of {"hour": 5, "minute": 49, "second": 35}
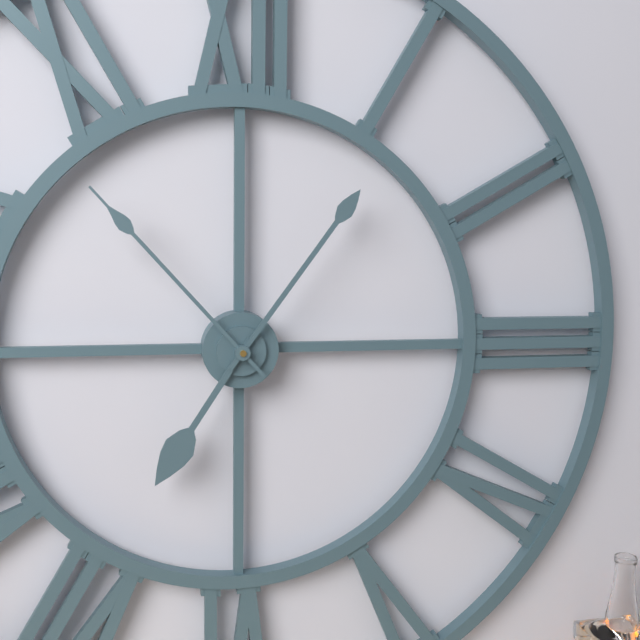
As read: {"hour": 7, "minute": 6, "second": 53}
